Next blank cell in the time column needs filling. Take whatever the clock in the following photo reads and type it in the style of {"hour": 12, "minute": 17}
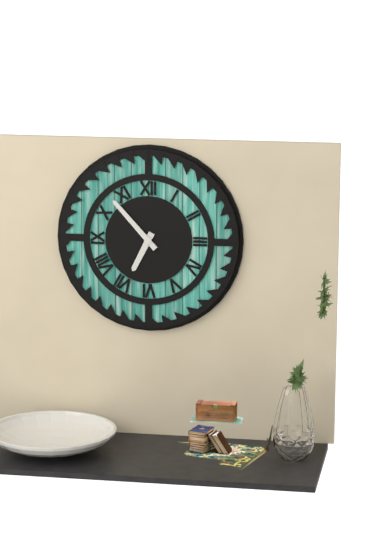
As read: {"hour": 6, "minute": 53}
